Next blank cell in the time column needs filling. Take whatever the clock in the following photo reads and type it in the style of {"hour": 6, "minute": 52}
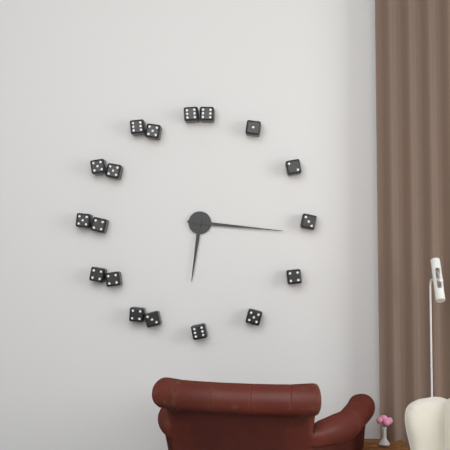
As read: {"hour": 6, "minute": 16}
